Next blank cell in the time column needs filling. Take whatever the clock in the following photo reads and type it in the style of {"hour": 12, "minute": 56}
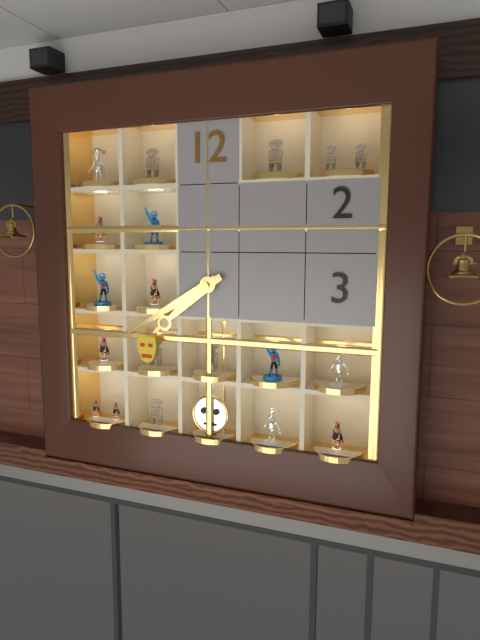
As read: {"hour": 7, "minute": 40}
